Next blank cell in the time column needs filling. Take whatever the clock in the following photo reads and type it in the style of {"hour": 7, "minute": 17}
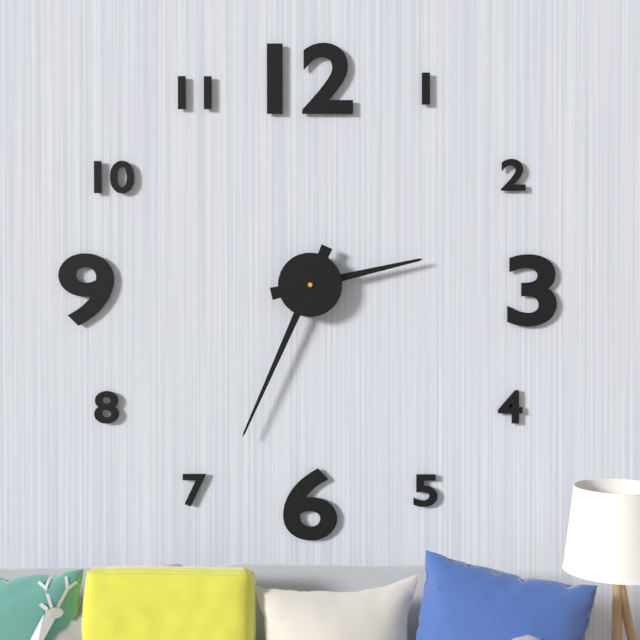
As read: {"hour": 2, "minute": 34}
